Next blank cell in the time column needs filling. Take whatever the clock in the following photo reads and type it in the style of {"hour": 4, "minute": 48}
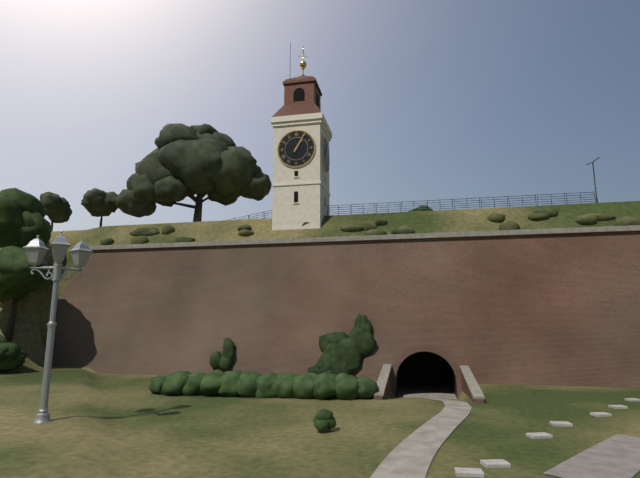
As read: {"hour": 1, "minute": 5}
